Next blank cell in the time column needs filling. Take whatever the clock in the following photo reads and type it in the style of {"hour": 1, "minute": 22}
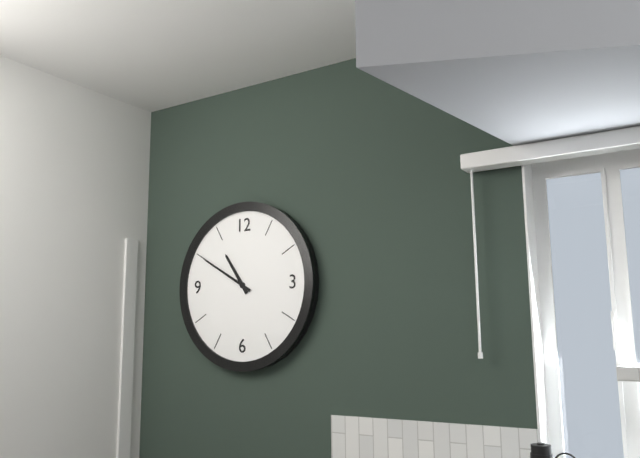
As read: {"hour": 10, "minute": 50}
